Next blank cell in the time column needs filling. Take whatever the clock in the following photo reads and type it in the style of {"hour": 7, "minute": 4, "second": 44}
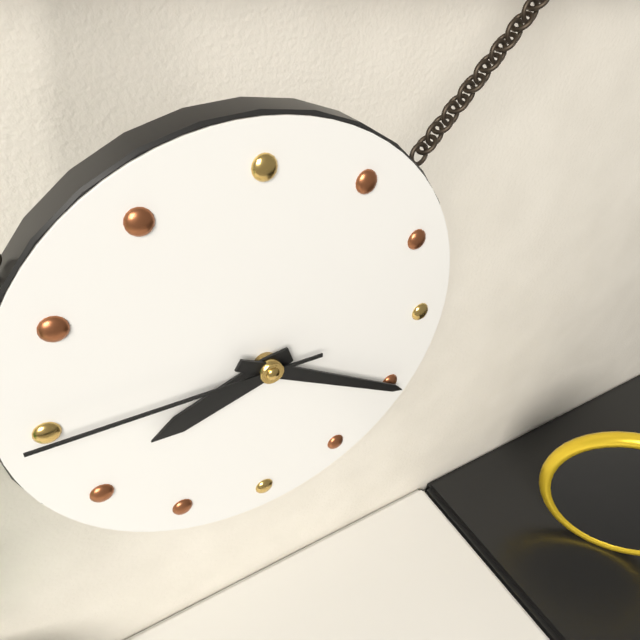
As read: {"hour": 8, "minute": 20, "second": 45}
